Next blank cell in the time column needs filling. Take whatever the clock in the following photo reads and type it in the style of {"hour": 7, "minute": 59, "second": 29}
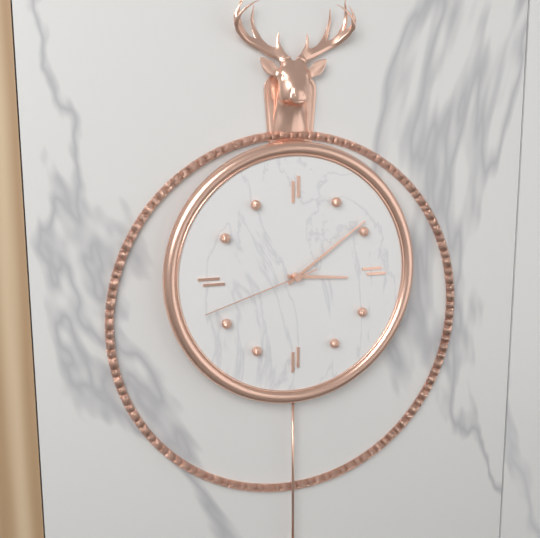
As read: {"hour": 3, "minute": 9, "second": 42}
